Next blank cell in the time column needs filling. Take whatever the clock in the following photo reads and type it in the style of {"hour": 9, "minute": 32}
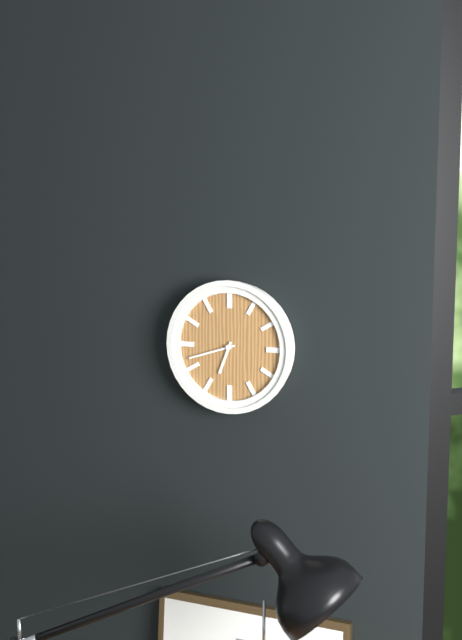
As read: {"hour": 6, "minute": 42}
